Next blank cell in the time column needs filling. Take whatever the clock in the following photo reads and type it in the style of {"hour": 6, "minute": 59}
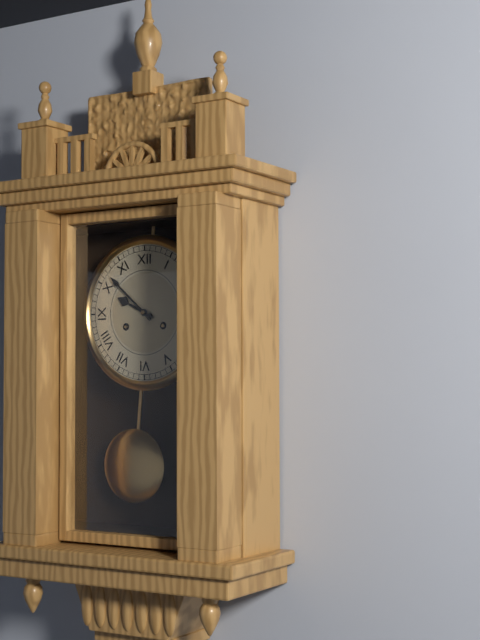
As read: {"hour": 9, "minute": 52}
